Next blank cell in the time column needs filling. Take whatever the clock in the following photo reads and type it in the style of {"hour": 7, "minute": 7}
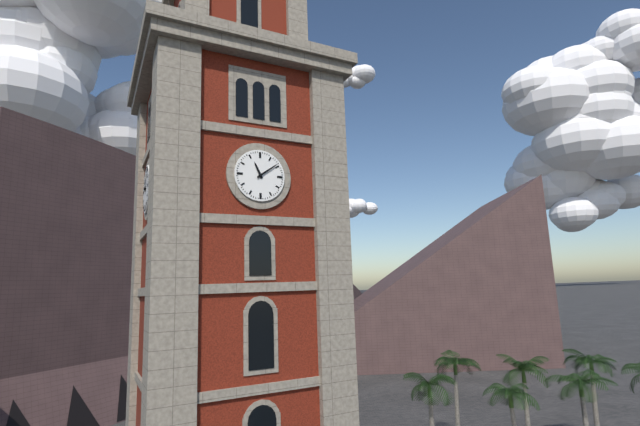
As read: {"hour": 11, "minute": 9}
